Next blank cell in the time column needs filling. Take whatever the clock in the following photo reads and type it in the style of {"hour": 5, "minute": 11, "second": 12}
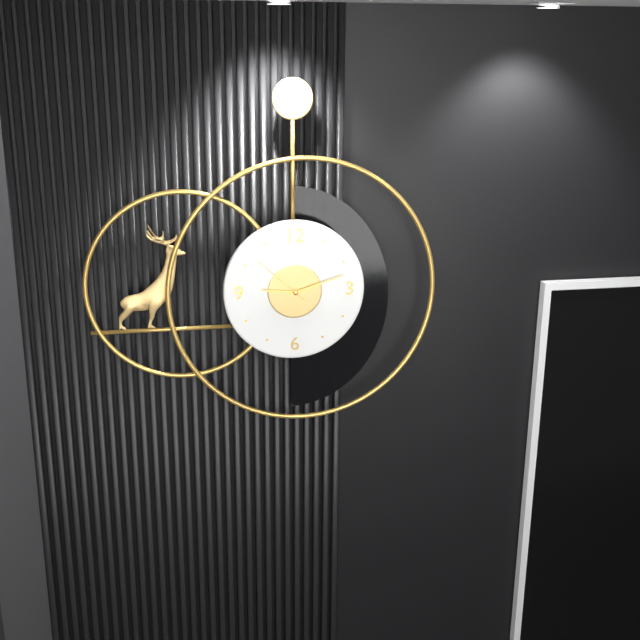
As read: {"hour": 9, "minute": 12, "second": 52}
